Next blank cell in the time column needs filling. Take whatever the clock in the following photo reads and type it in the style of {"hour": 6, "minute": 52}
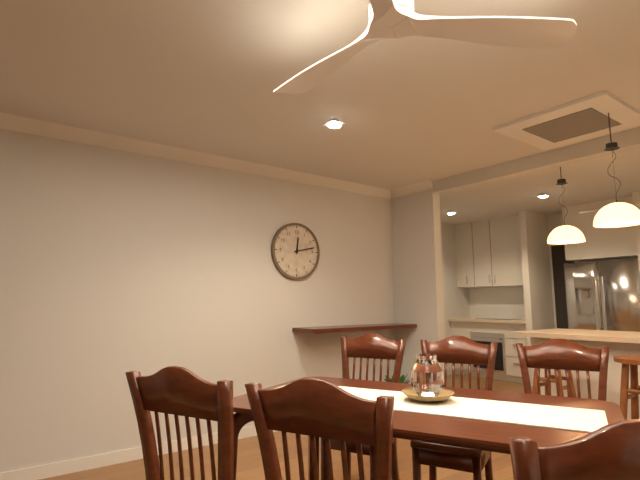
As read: {"hour": 12, "minute": 13}
